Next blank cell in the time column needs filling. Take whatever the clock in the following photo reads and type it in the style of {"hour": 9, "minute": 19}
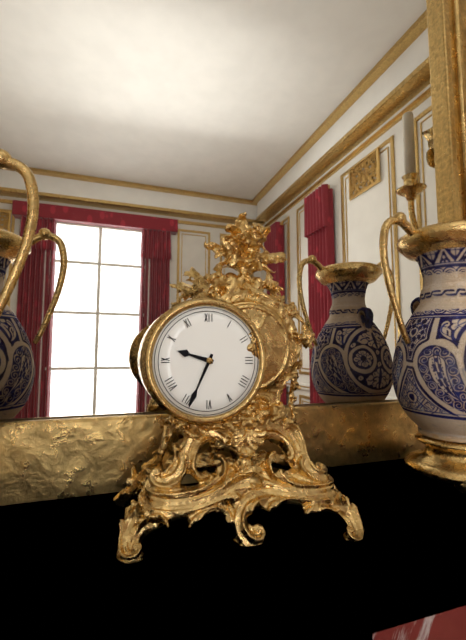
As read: {"hour": 9, "minute": 34}
